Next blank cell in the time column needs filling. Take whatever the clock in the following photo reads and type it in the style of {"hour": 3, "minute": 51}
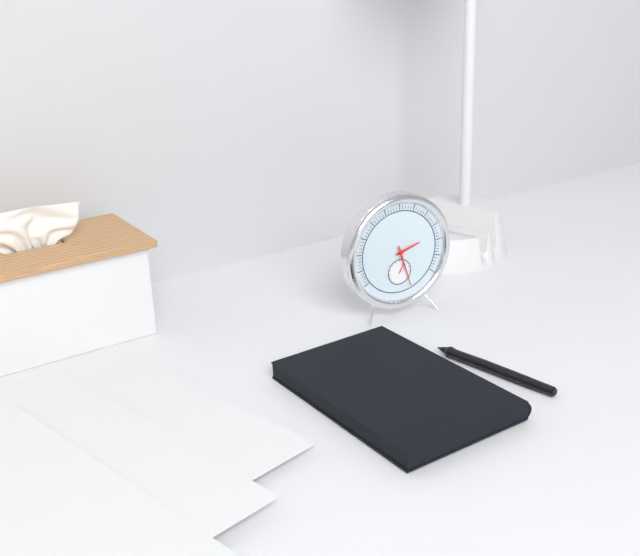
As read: {"hour": 2, "minute": 27}
